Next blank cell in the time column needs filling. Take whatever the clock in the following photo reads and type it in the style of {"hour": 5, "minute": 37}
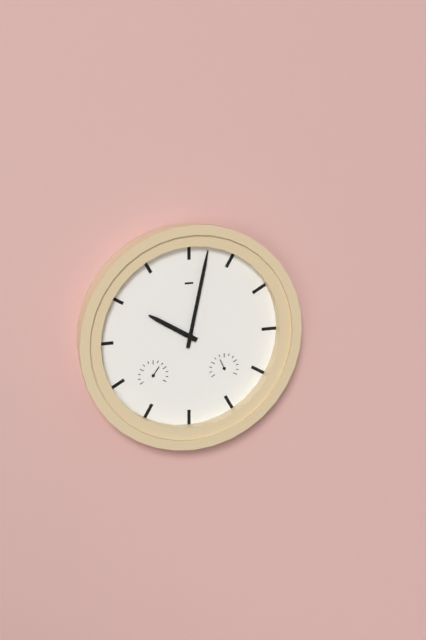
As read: {"hour": 10, "minute": 2}
